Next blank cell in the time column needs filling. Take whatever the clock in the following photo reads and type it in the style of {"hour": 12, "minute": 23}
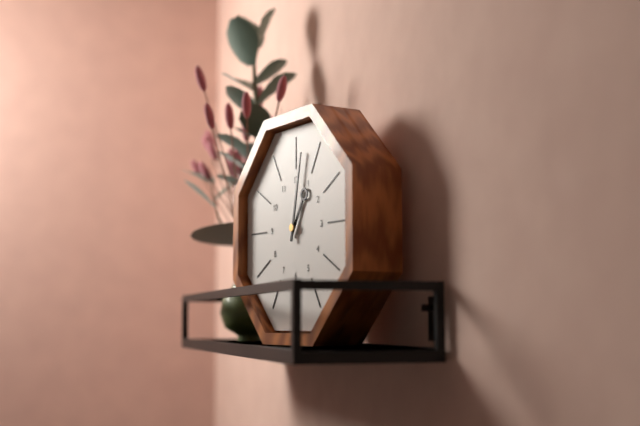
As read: {"hour": 1, "minute": 2}
